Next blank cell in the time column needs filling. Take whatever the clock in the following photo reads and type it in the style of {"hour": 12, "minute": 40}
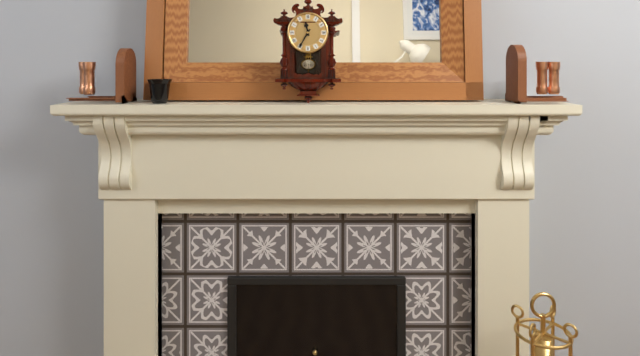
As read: {"hour": 11, "minute": 35}
